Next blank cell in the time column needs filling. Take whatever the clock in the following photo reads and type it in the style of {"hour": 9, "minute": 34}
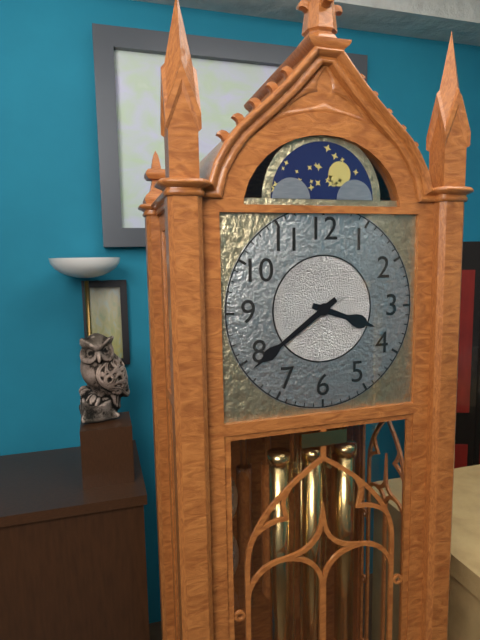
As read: {"hour": 3, "minute": 39}
